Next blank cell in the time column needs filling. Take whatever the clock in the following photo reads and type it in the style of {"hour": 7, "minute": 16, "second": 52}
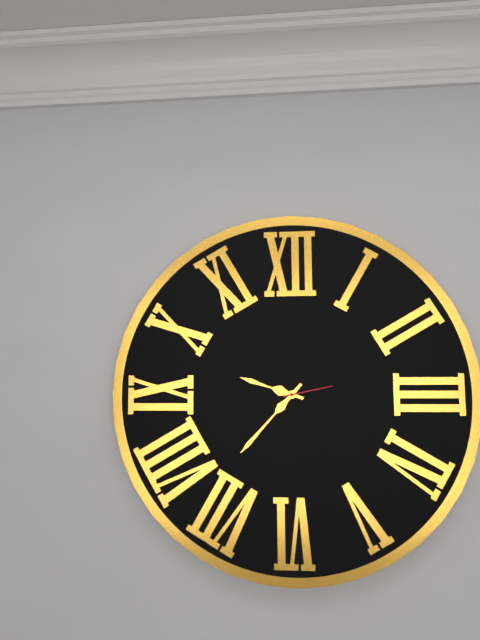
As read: {"hour": 9, "minute": 37, "second": 13}
